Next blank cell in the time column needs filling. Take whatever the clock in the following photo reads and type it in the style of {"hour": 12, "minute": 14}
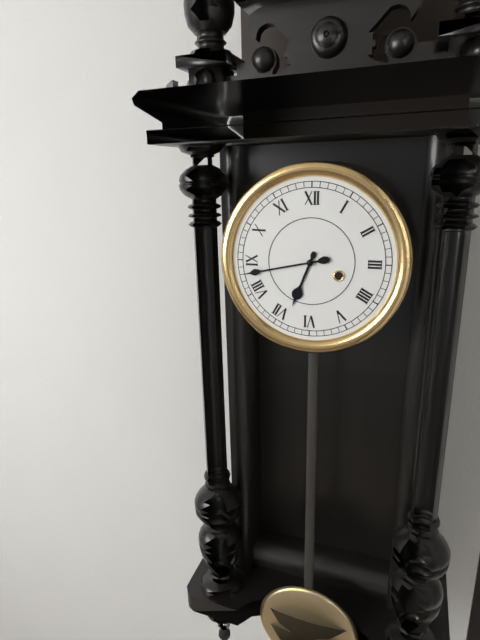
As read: {"hour": 6, "minute": 43}
